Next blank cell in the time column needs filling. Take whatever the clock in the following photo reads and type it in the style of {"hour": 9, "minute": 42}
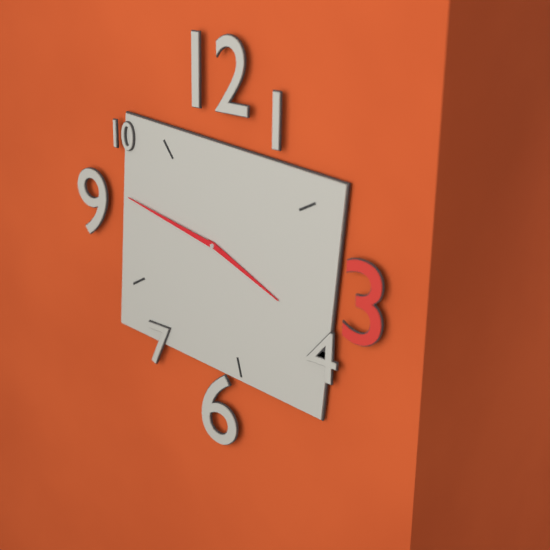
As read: {"hour": 3, "minute": 47}
